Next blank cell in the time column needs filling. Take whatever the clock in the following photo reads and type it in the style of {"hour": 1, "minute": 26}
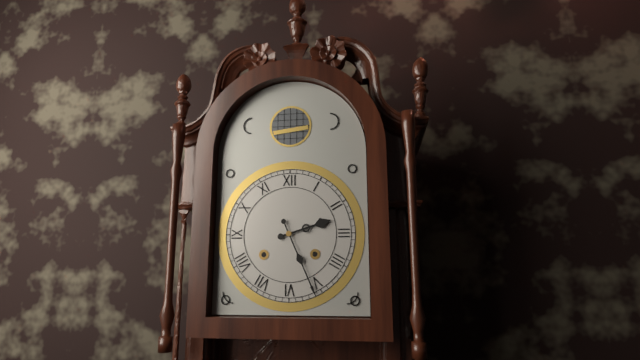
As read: {"hour": 2, "minute": 26}
